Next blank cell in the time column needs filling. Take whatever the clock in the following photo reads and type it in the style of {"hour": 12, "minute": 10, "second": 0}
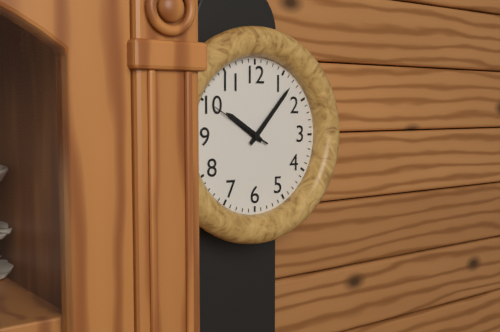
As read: {"hour": 10, "minute": 7, "second": 50}
